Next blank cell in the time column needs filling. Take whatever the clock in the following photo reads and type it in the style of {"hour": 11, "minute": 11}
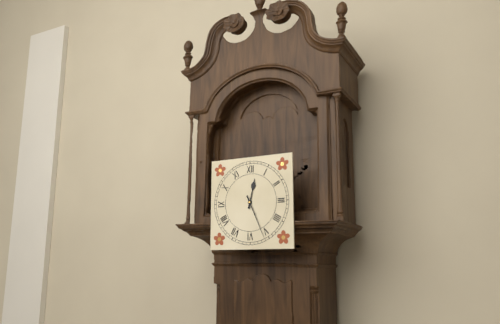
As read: {"hour": 12, "minute": 26}
